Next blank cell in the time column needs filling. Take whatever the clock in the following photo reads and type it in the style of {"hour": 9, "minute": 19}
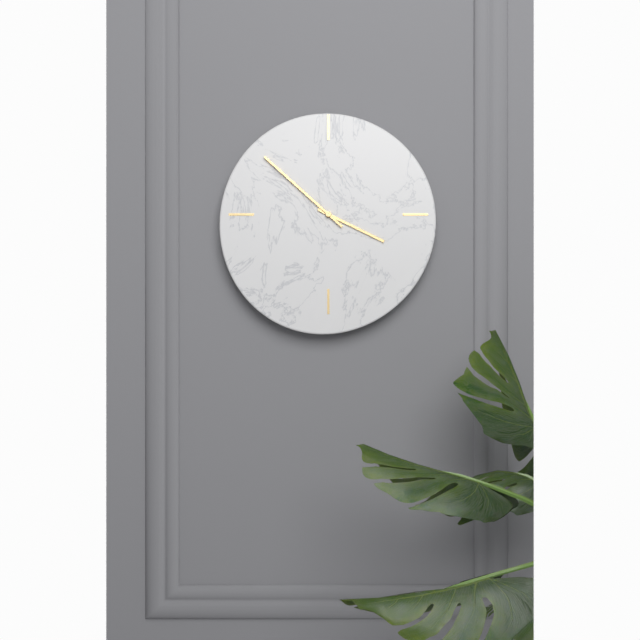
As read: {"hour": 3, "minute": 52}
